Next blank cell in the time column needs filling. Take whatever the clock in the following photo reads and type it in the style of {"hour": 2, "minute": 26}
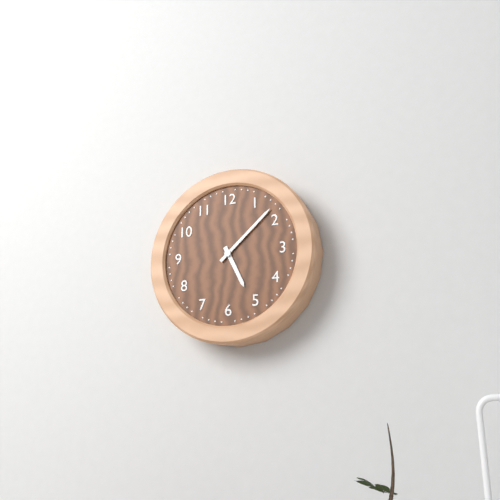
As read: {"hour": 5, "minute": 8}
